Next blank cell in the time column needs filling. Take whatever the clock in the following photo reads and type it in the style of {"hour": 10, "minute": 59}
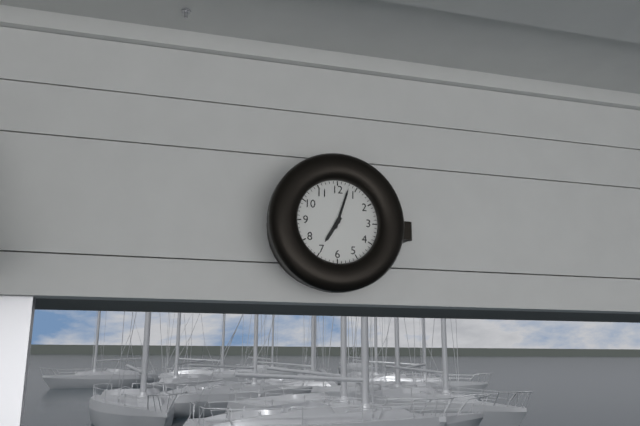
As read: {"hour": 7, "minute": 3}
